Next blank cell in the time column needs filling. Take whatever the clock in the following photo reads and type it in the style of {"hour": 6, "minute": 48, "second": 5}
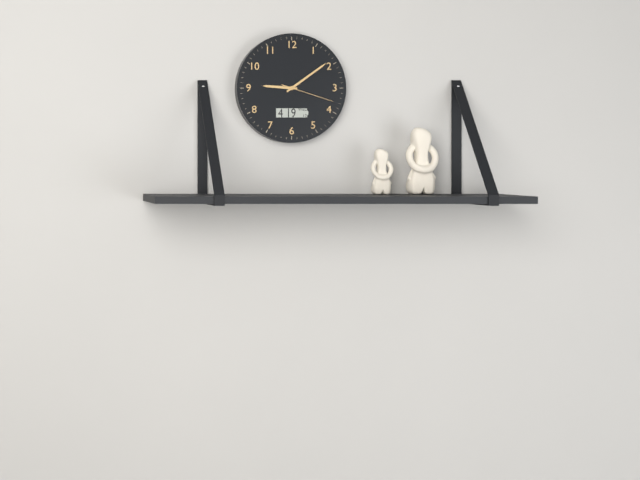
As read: {"hour": 9, "minute": 9, "second": 18}
